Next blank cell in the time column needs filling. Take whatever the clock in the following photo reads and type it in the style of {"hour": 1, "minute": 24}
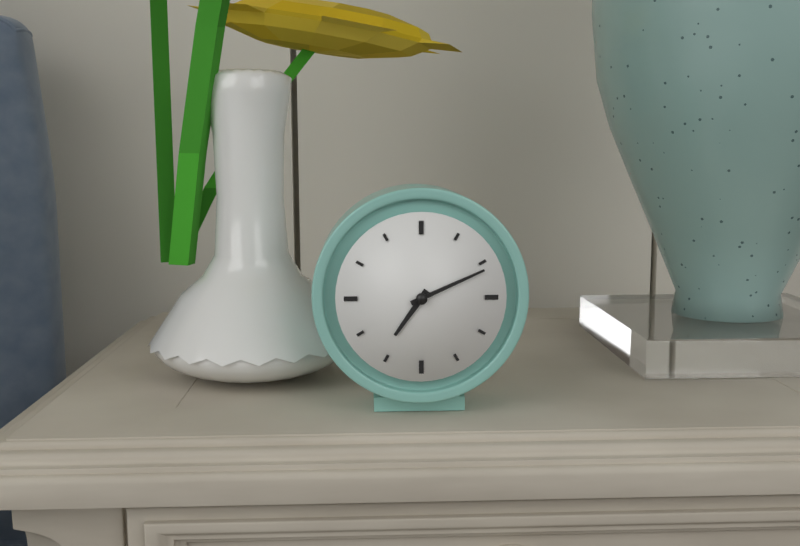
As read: {"hour": 7, "minute": 11}
